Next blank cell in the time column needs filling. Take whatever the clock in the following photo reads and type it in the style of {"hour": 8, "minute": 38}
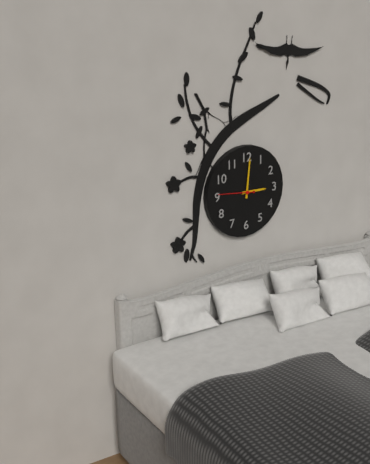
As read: {"hour": 3, "minute": 1}
